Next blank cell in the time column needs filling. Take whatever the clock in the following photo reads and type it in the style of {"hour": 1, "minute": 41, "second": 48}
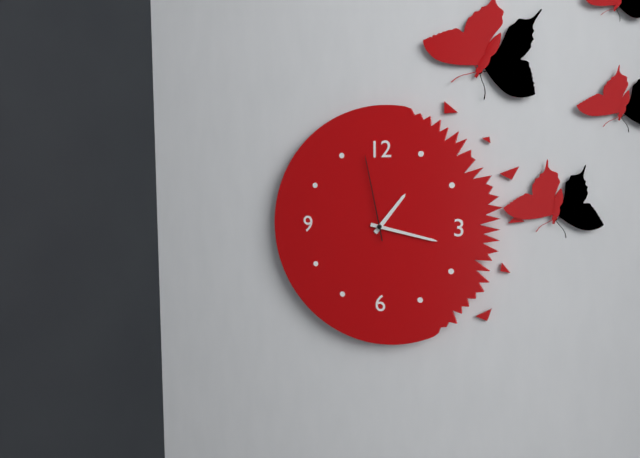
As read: {"hour": 1, "minute": 17, "second": 58}
